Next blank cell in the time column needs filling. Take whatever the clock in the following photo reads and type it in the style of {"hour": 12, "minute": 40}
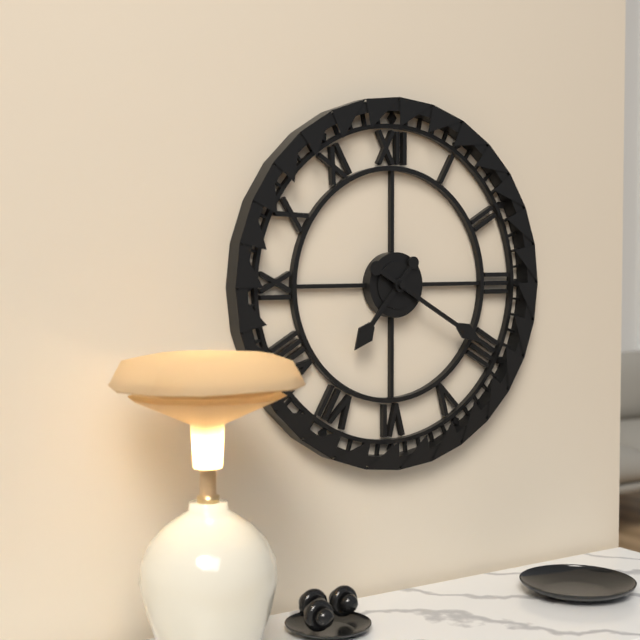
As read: {"hour": 7, "minute": 20}
